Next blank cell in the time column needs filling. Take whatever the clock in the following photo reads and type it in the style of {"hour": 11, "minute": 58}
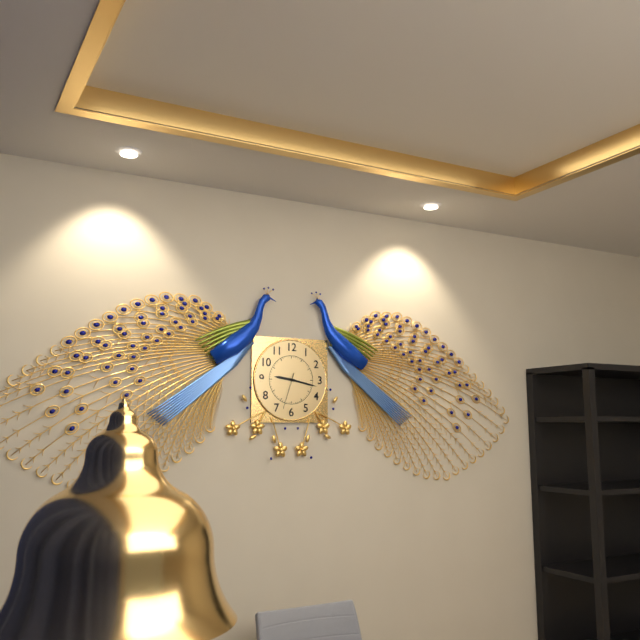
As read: {"hour": 9, "minute": 17}
